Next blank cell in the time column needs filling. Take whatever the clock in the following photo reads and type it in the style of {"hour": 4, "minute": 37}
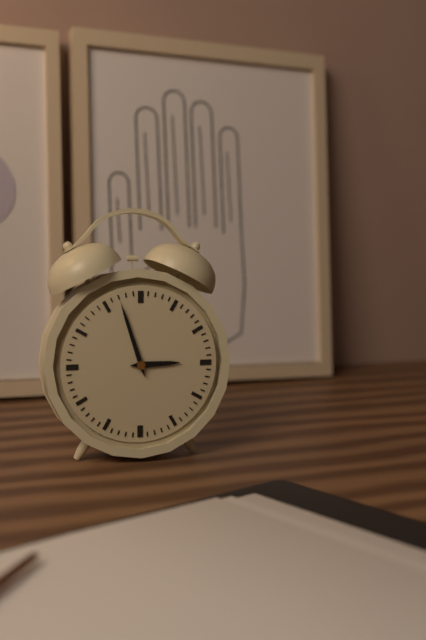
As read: {"hour": 2, "minute": 57}
